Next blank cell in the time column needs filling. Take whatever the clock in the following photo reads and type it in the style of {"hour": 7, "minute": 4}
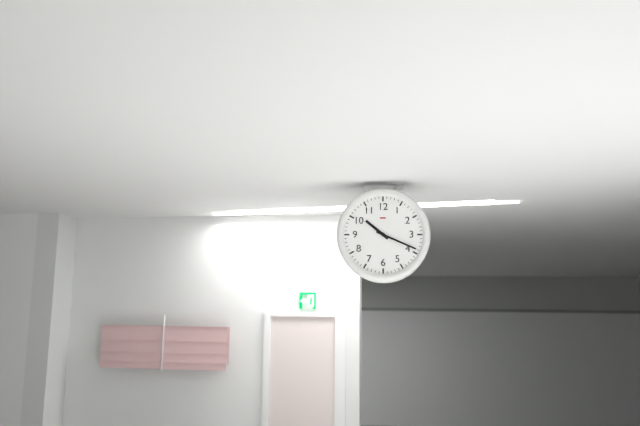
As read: {"hour": 10, "minute": 19}
